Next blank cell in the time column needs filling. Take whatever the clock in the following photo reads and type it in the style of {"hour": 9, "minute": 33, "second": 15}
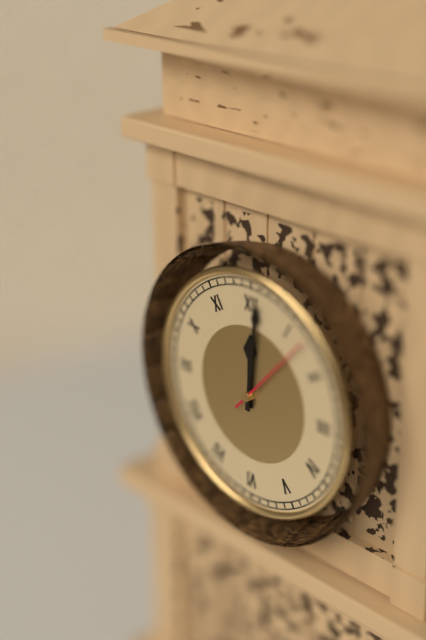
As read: {"hour": 12, "minute": 1, "second": 7}
